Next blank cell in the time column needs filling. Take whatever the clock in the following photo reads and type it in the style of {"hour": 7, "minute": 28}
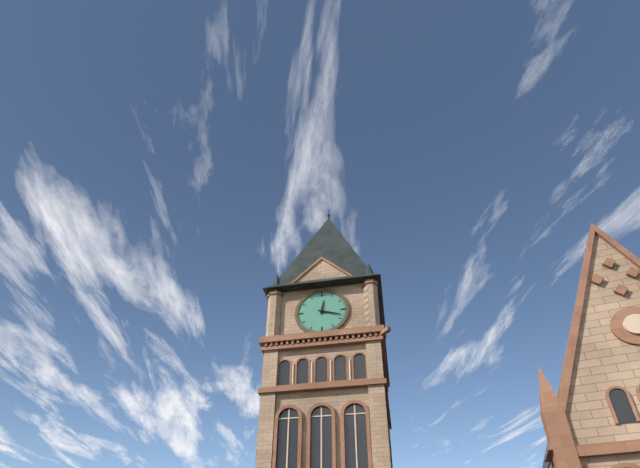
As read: {"hour": 12, "minute": 18}
